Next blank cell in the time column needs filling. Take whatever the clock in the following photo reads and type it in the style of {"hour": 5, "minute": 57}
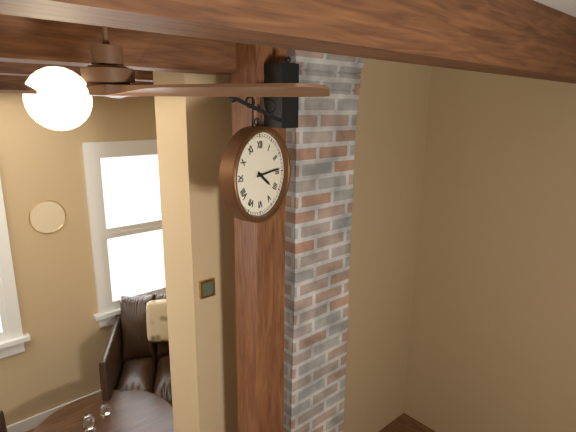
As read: {"hour": 4, "minute": 14}
